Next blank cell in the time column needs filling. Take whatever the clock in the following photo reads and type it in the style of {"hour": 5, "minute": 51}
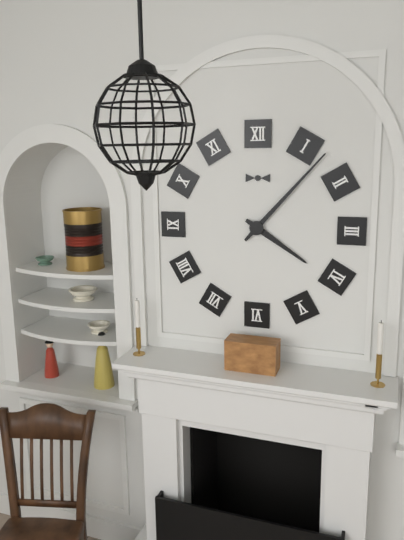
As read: {"hour": 4, "minute": 7}
